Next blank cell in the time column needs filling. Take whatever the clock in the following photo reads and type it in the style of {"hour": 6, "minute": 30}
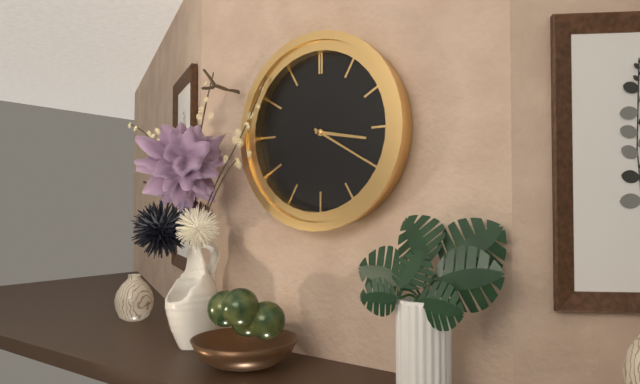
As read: {"hour": 3, "minute": 20}
